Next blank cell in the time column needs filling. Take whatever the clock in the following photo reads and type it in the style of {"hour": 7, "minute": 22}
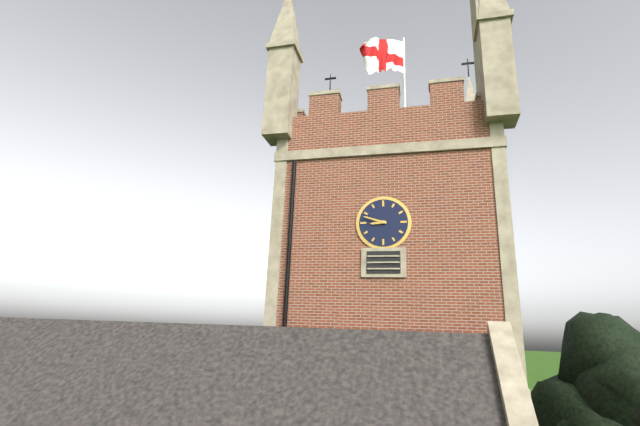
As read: {"hour": 8, "minute": 48}
